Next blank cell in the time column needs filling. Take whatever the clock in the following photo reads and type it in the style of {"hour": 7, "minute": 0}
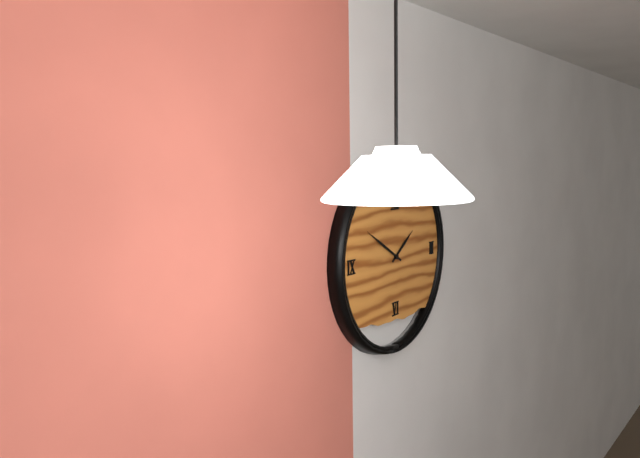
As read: {"hour": 1, "minute": 50}
